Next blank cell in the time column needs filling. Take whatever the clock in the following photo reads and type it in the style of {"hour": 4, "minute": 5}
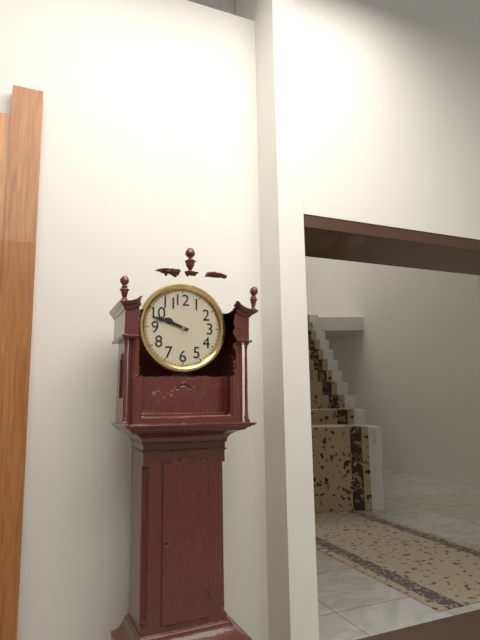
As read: {"hour": 9, "minute": 48}
